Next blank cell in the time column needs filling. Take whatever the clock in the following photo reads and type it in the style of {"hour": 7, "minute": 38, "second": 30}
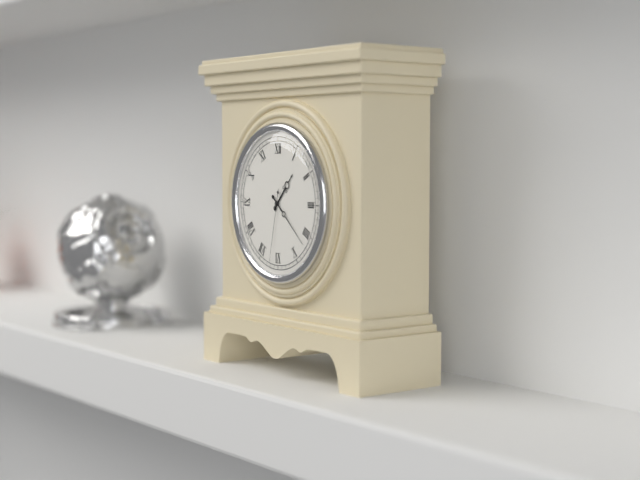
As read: {"hour": 1, "minute": 22, "second": 32}
